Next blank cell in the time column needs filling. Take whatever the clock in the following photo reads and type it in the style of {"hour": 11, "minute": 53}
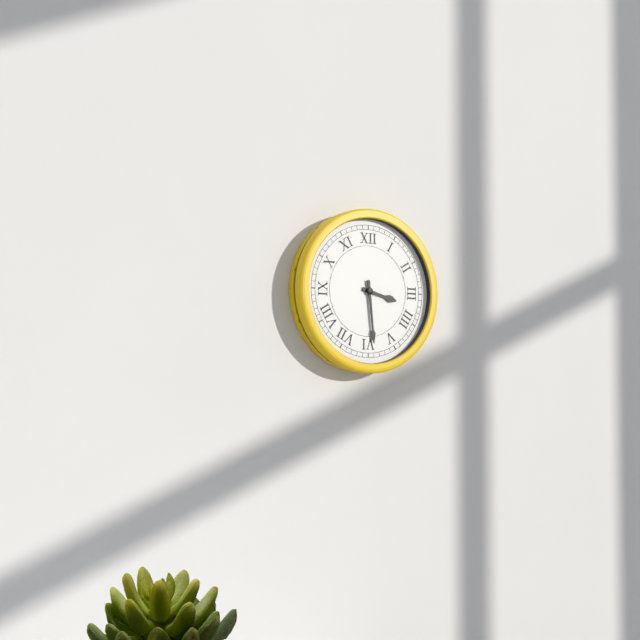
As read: {"hour": 3, "minute": 29}
